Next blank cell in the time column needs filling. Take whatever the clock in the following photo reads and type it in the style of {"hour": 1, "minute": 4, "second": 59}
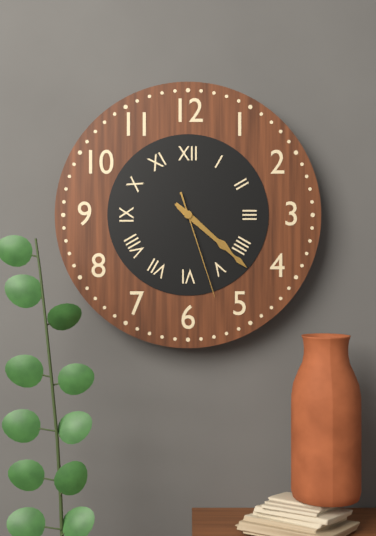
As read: {"hour": 4, "minute": 22, "second": 27}
